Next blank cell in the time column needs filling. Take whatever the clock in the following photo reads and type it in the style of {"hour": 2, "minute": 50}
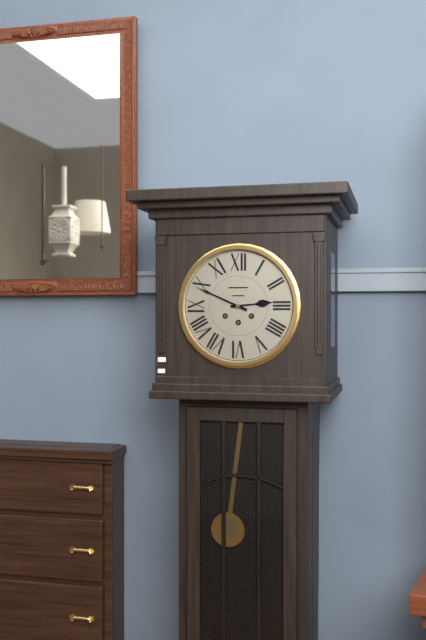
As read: {"hour": 2, "minute": 49}
